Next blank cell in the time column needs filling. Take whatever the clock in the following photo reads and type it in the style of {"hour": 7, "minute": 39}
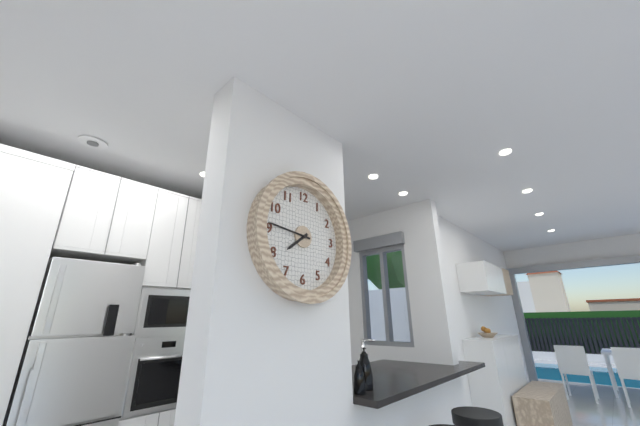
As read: {"hour": 7, "minute": 46}
